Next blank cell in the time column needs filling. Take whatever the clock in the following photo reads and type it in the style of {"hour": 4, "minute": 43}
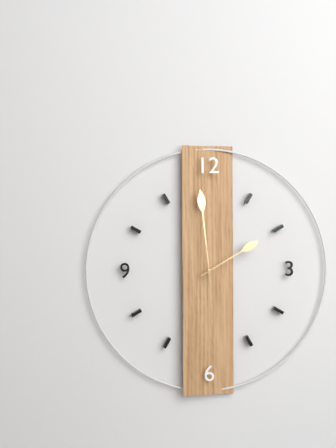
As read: {"hour": 1, "minute": 59}
